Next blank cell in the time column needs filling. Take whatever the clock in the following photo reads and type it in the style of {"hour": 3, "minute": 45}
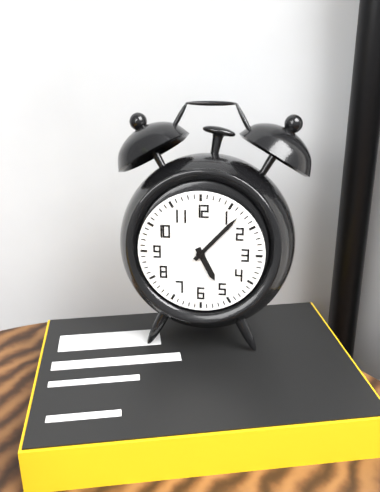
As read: {"hour": 5, "minute": 7}
